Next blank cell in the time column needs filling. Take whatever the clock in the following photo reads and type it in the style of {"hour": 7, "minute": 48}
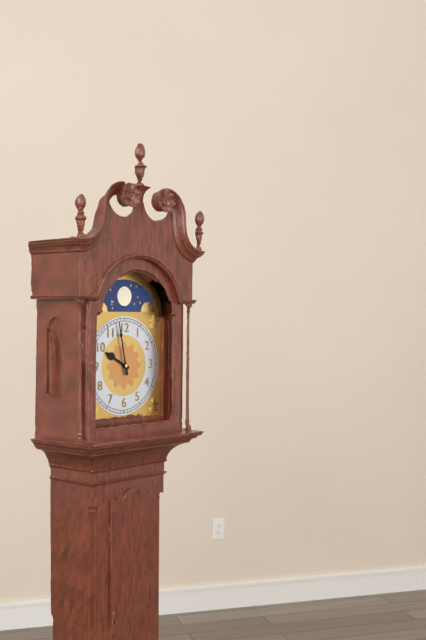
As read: {"hour": 9, "minute": 58}
